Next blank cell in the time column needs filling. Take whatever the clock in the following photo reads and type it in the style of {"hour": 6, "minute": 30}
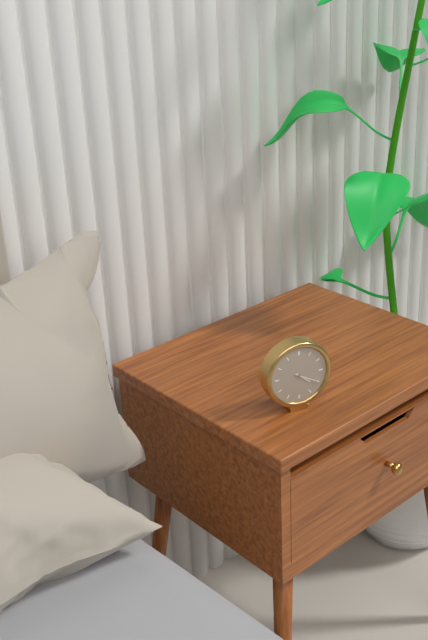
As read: {"hour": 4, "minute": 20}
